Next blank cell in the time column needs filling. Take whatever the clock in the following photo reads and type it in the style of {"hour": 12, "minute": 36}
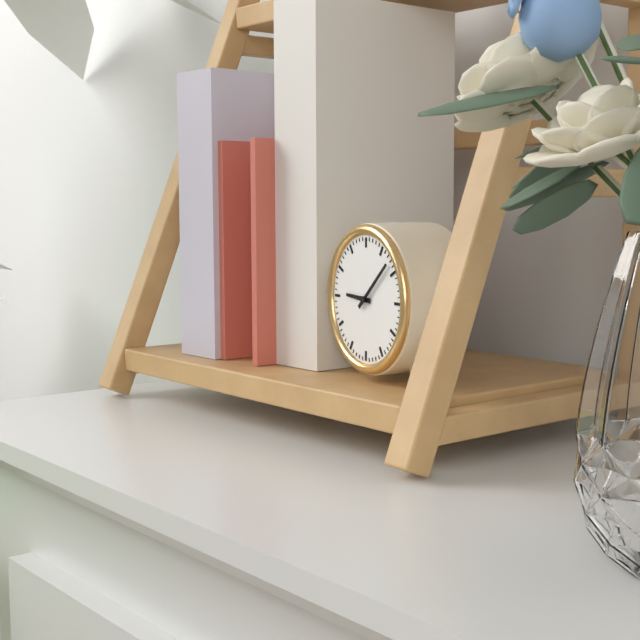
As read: {"hour": 9, "minute": 8}
